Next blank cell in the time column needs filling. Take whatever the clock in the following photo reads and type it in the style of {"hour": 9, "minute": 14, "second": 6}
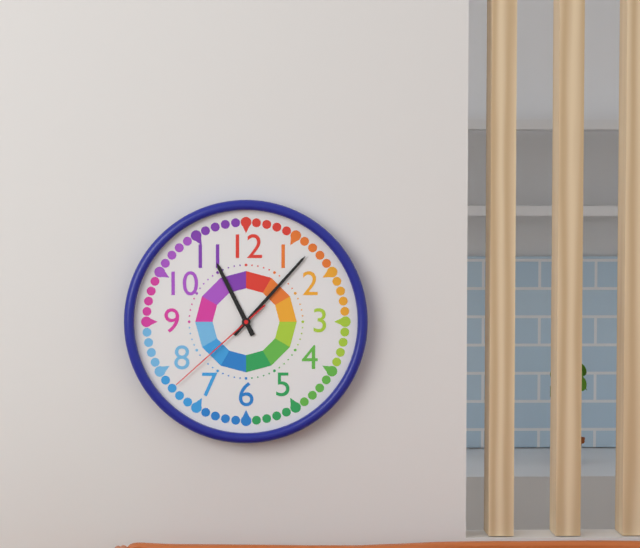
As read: {"hour": 11, "minute": 7, "second": 38}
